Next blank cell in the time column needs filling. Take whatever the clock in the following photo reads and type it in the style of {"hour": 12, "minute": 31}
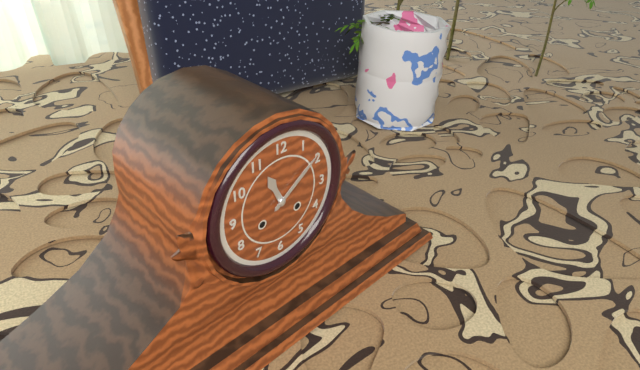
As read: {"hour": 11, "minute": 9}
